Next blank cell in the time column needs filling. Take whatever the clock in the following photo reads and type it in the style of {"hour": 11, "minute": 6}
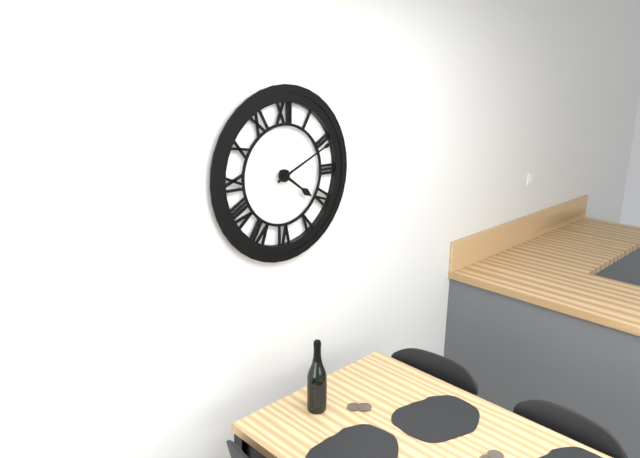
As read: {"hour": 4, "minute": 11}
